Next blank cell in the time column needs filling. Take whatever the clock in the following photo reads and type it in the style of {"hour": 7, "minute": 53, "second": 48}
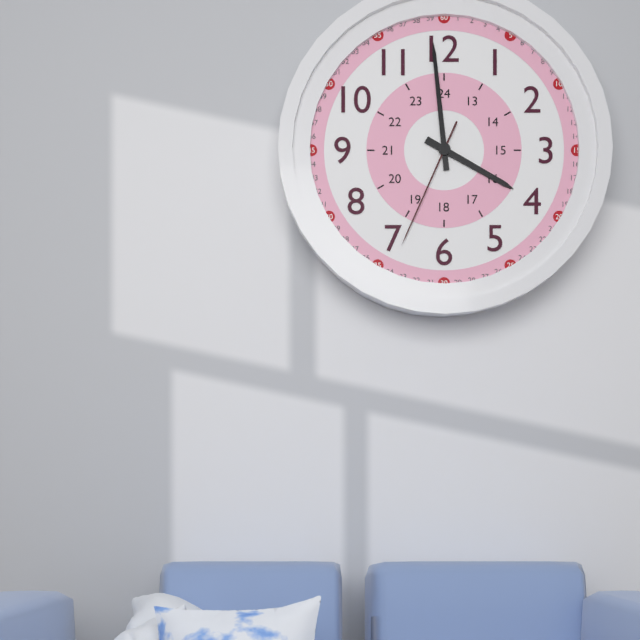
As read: {"hour": 3, "minute": 59, "second": 34}
